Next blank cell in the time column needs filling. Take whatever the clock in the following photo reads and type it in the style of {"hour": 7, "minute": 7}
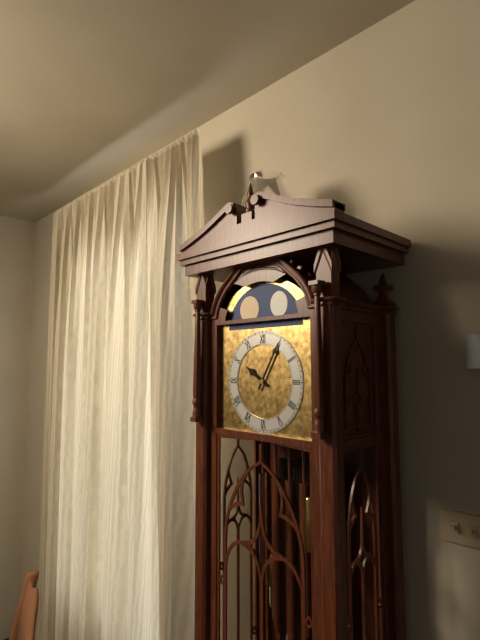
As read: {"hour": 10, "minute": 5}
